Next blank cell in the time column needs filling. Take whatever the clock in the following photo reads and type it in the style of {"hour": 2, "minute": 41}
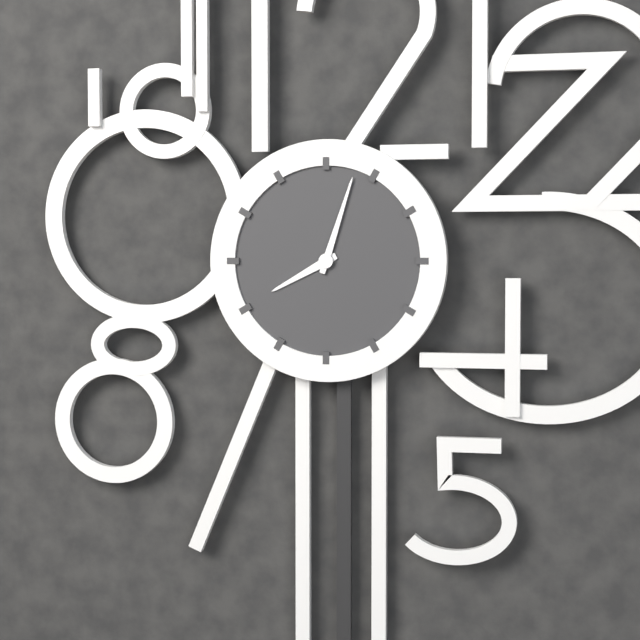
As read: {"hour": 8, "minute": 3}
